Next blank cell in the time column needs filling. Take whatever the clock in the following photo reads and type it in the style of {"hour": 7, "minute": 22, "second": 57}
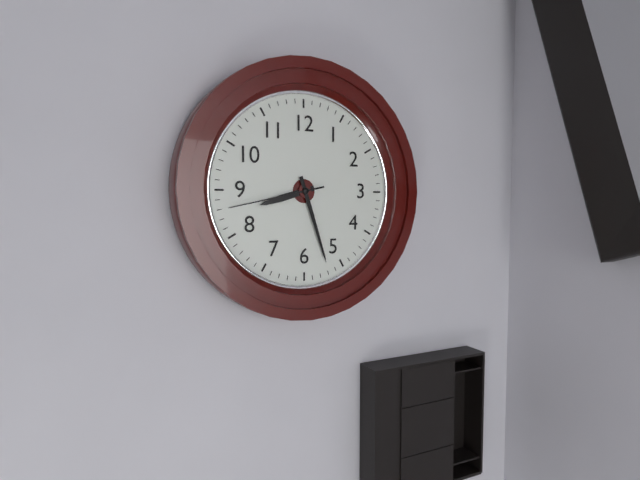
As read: {"hour": 8, "minute": 27, "second": 43}
